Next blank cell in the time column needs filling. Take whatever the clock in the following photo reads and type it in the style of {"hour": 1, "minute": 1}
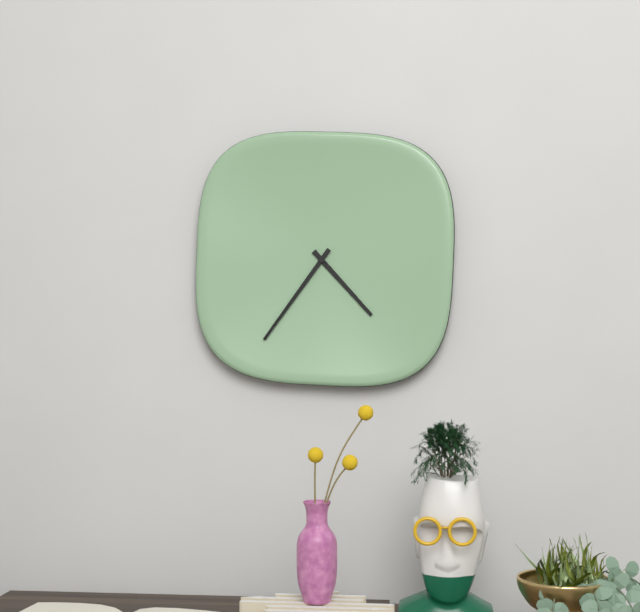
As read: {"hour": 4, "minute": 36}
